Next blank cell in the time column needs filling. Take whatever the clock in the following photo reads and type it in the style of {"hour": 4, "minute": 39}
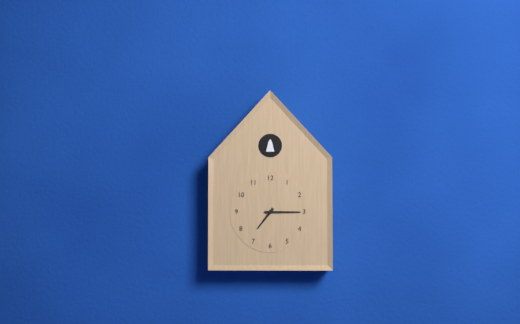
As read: {"hour": 7, "minute": 15}
